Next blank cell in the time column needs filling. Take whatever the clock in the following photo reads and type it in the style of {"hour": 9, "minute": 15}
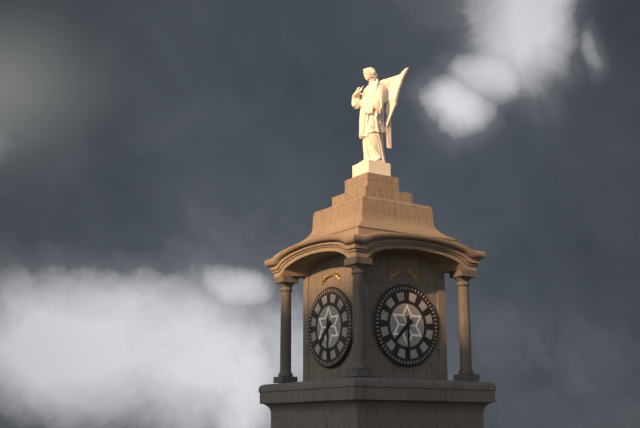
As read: {"hour": 7, "minute": 30}
